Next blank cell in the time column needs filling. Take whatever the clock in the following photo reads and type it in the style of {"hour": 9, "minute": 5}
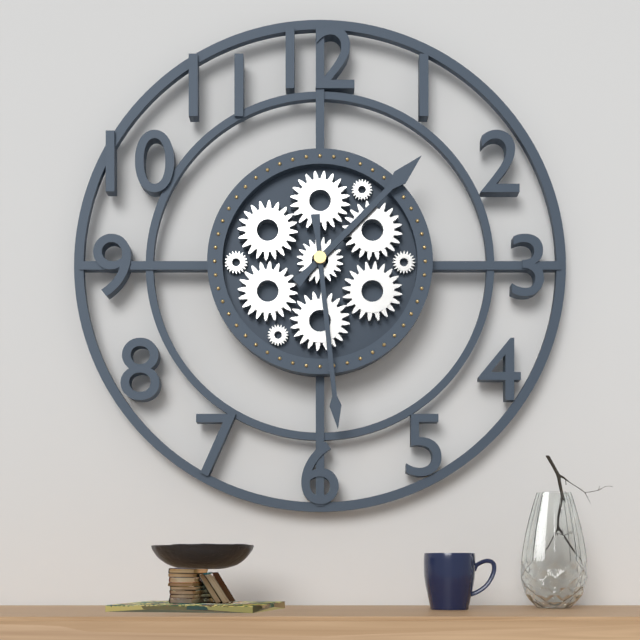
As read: {"hour": 1, "minute": 29}
